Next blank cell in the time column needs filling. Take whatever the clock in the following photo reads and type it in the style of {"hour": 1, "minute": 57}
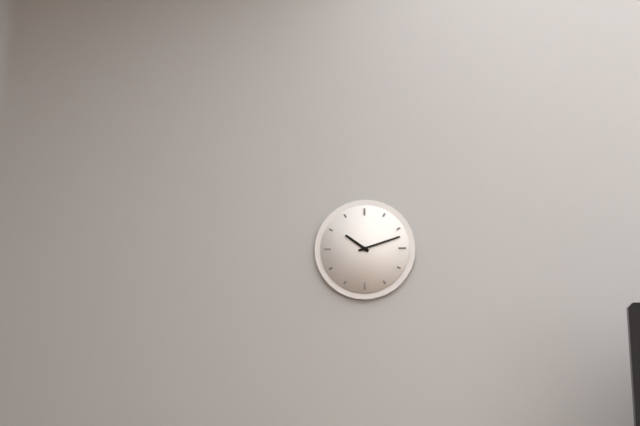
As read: {"hour": 10, "minute": 12}
